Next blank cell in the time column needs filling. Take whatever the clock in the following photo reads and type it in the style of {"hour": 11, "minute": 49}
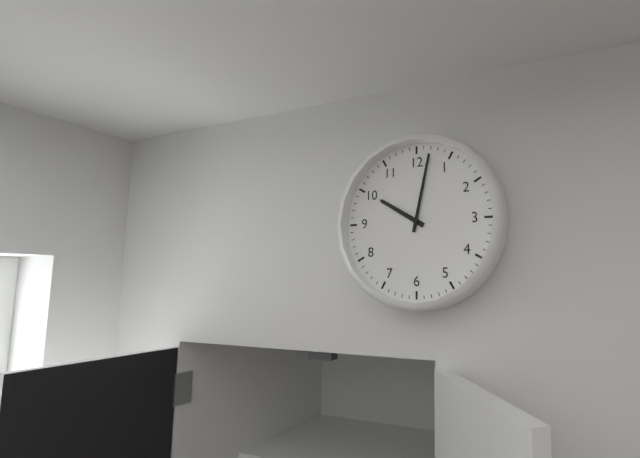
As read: {"hour": 10, "minute": 2}
